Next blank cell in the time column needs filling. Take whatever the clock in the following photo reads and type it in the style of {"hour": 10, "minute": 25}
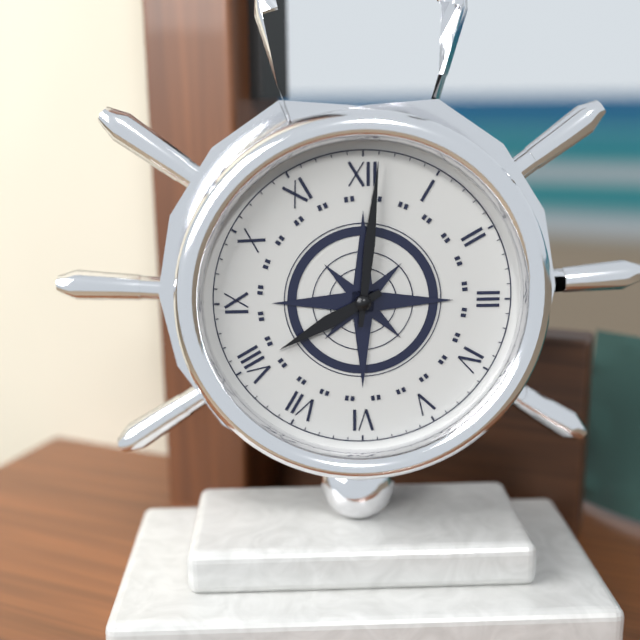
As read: {"hour": 8, "minute": 1}
